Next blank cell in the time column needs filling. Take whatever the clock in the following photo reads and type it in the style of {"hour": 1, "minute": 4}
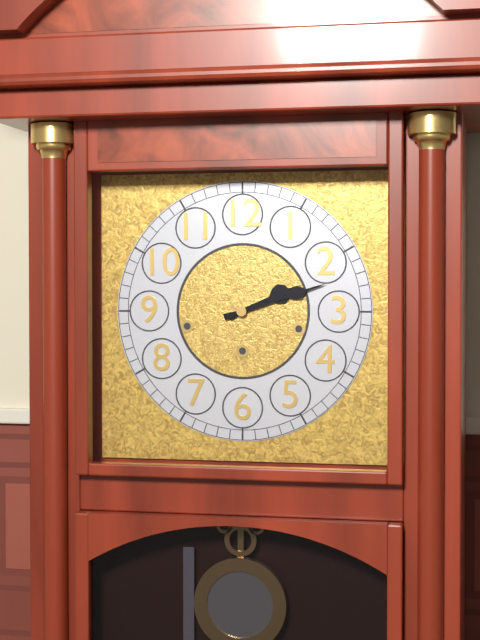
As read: {"hour": 2, "minute": 12}
